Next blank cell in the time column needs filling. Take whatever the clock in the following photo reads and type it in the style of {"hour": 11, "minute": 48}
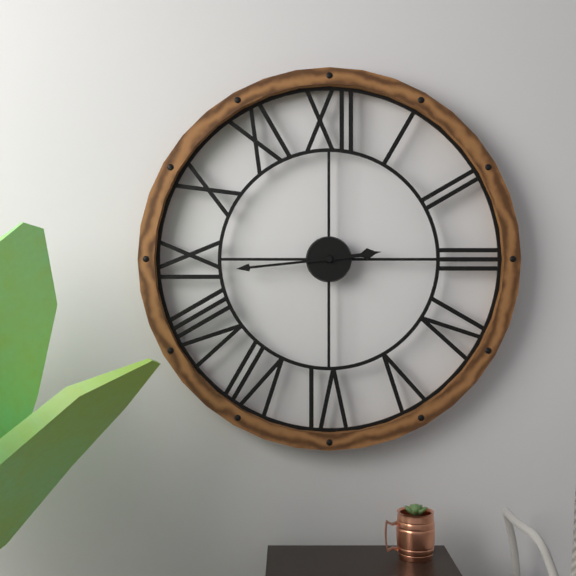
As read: {"hour": 2, "minute": 44}
